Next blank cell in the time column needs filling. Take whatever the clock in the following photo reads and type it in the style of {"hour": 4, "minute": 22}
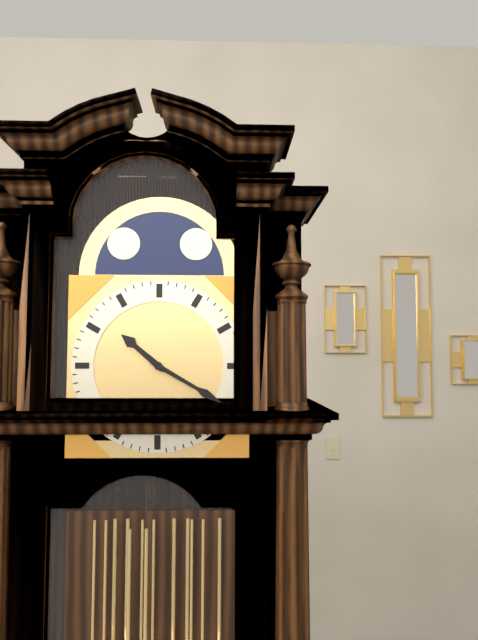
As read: {"hour": 10, "minute": 20}
